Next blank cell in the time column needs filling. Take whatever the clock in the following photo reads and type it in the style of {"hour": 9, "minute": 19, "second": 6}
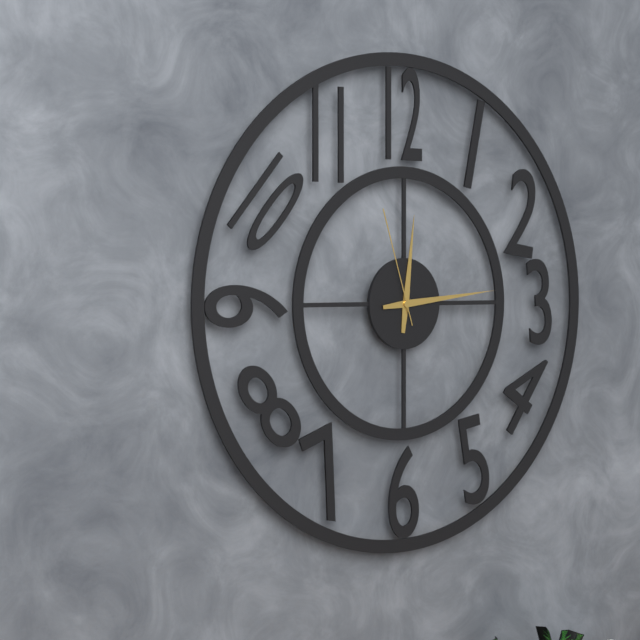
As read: {"hour": 12, "minute": 14, "second": 57}
